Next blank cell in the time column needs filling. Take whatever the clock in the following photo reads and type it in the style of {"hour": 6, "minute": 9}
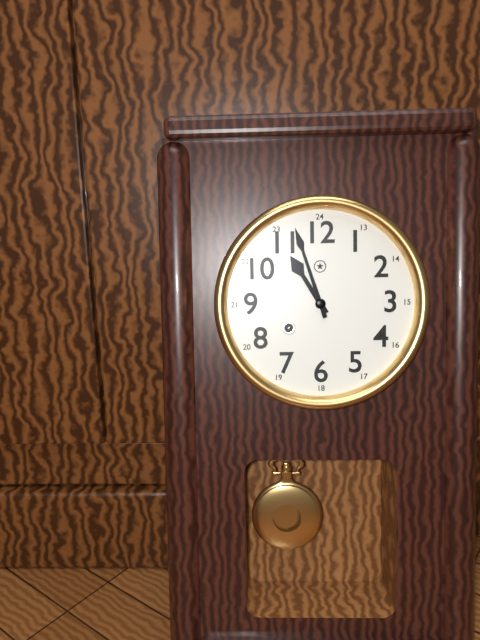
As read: {"hour": 10, "minute": 57}
